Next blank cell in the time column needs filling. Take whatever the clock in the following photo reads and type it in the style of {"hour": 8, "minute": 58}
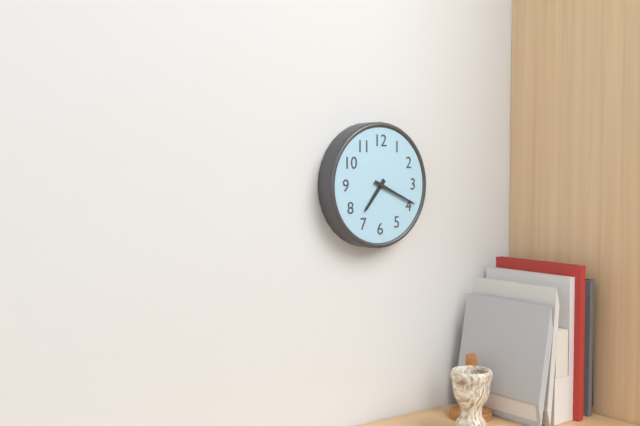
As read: {"hour": 7, "minute": 19}
